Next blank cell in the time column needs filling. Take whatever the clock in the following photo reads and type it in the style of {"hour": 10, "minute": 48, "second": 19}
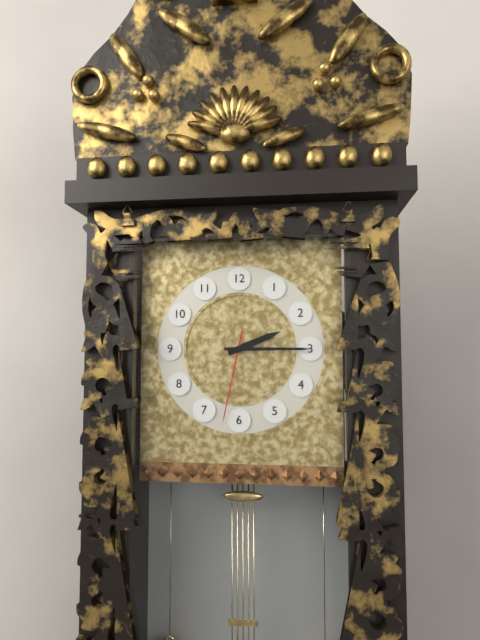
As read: {"hour": 2, "minute": 15, "second": 32}
